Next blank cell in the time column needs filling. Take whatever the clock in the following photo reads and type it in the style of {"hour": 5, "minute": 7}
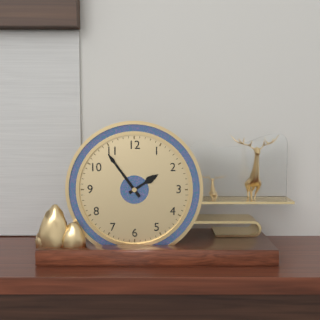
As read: {"hour": 1, "minute": 54}
